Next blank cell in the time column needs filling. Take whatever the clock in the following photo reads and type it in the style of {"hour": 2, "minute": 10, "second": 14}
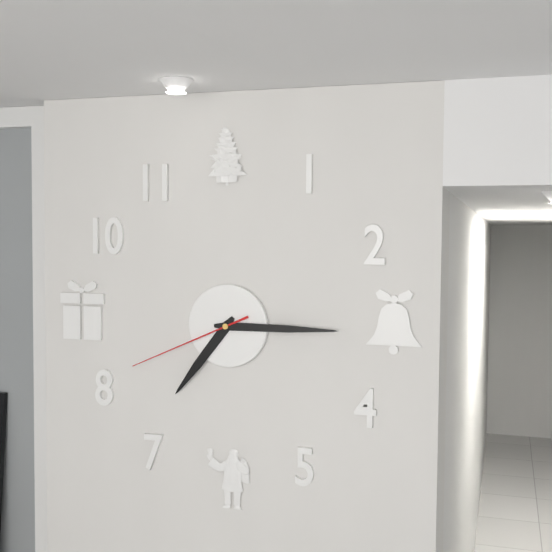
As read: {"hour": 7, "minute": 15, "second": 41}
